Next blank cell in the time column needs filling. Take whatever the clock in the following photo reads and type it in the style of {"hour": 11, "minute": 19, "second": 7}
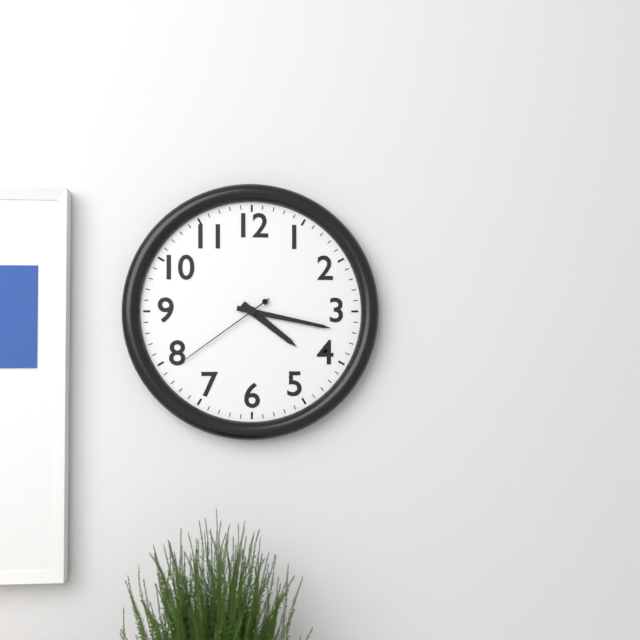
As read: {"hour": 4, "minute": 17, "second": 39}
